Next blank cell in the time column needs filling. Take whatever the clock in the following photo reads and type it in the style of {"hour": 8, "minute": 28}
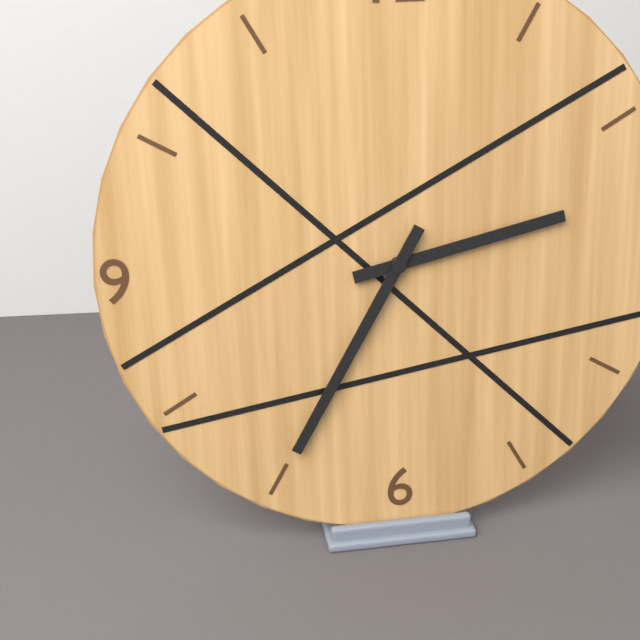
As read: {"hour": 2, "minute": 35}
